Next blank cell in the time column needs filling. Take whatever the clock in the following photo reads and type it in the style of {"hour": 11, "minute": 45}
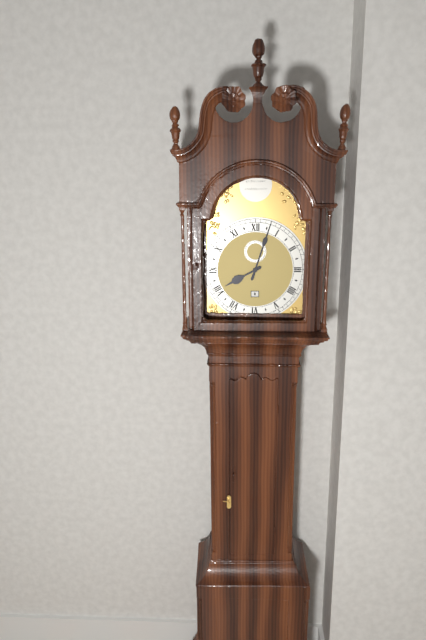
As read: {"hour": 8, "minute": 3}
